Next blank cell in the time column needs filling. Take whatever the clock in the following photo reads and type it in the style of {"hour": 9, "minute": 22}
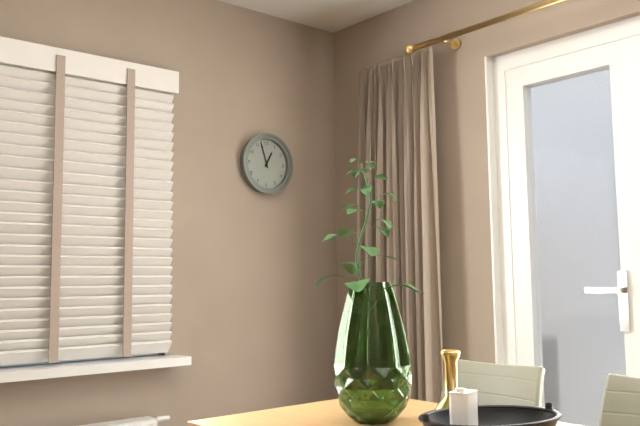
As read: {"hour": 12, "minute": 57}
